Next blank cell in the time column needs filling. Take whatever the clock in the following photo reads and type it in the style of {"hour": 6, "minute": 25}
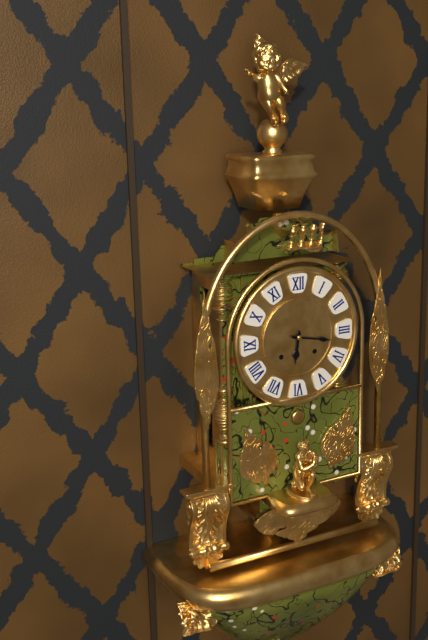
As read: {"hour": 6, "minute": 17}
